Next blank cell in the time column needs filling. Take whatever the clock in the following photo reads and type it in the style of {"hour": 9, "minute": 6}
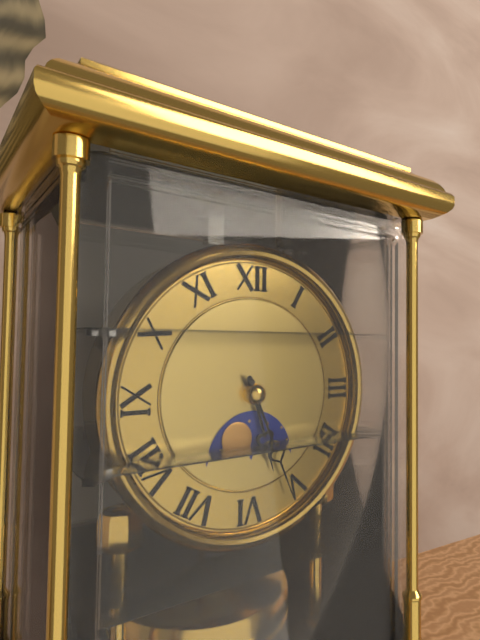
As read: {"hour": 5, "minute": 26}
